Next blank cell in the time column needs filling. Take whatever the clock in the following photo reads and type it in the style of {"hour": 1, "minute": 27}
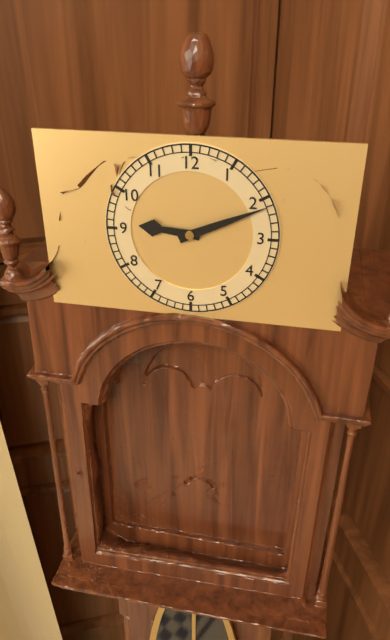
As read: {"hour": 9, "minute": 11}
